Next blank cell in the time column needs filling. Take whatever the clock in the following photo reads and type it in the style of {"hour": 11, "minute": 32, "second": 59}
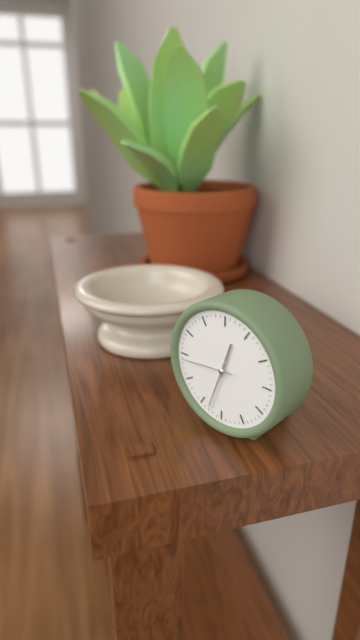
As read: {"hour": 12, "minute": 33, "second": 44}
